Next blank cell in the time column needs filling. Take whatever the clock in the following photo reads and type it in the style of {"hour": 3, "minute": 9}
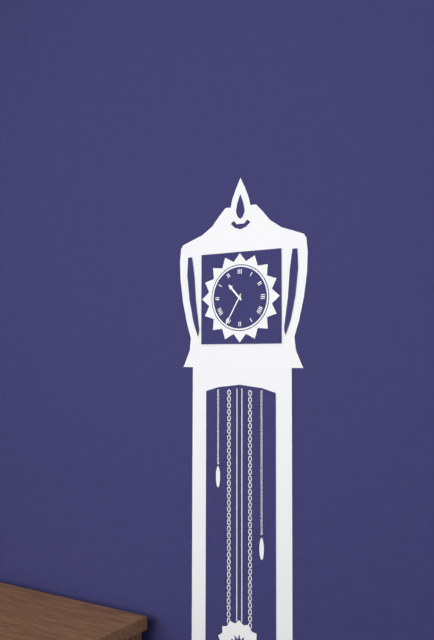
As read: {"hour": 10, "minute": 35}
